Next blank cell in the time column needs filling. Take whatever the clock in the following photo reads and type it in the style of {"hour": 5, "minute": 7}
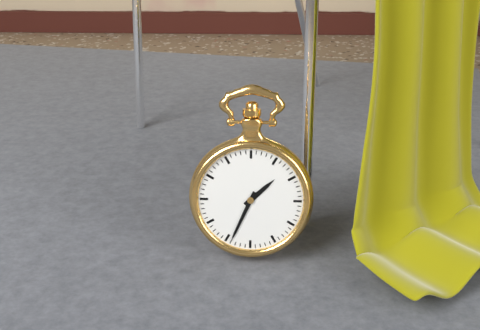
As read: {"hour": 1, "minute": 34}
